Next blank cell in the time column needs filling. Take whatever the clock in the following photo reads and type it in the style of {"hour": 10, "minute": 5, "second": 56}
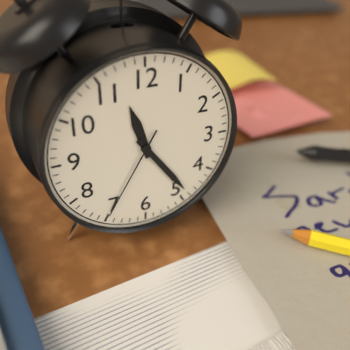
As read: {"hour": 11, "minute": 24, "second": 35}
